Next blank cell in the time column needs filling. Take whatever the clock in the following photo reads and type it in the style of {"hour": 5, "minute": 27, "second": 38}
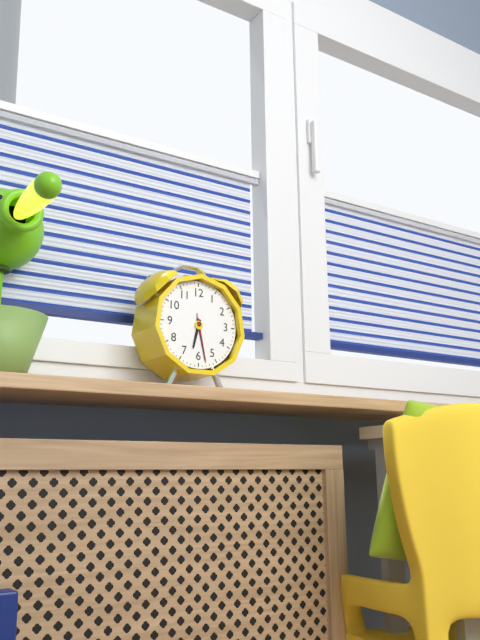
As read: {"hour": 6, "minute": 28, "second": 28}
